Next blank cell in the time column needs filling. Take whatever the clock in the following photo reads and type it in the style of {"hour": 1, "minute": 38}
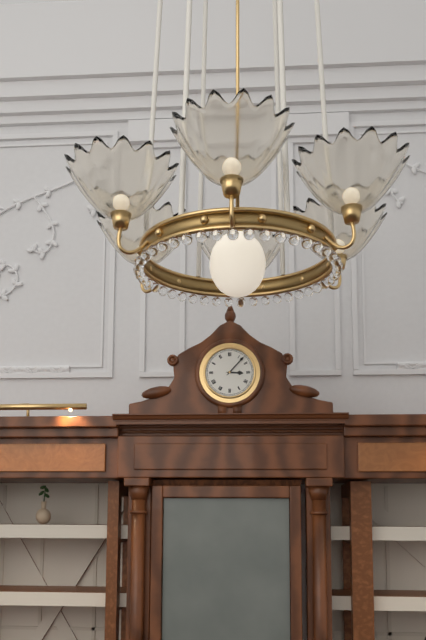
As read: {"hour": 3, "minute": 7}
